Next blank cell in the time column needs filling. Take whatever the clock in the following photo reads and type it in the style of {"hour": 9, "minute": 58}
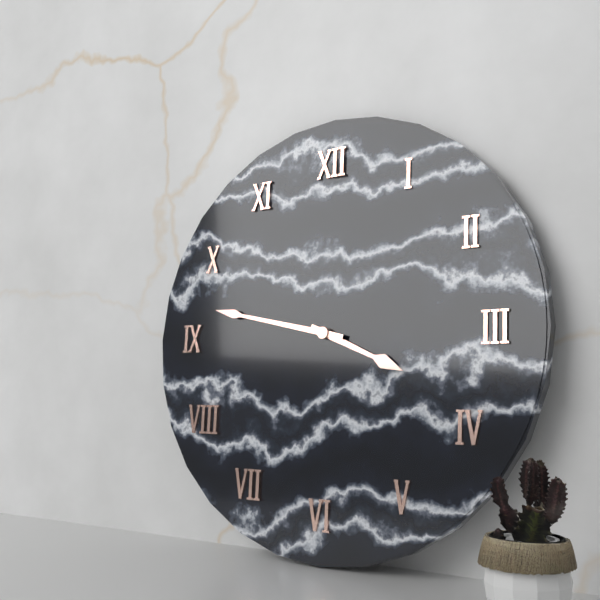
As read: {"hour": 3, "minute": 47}
